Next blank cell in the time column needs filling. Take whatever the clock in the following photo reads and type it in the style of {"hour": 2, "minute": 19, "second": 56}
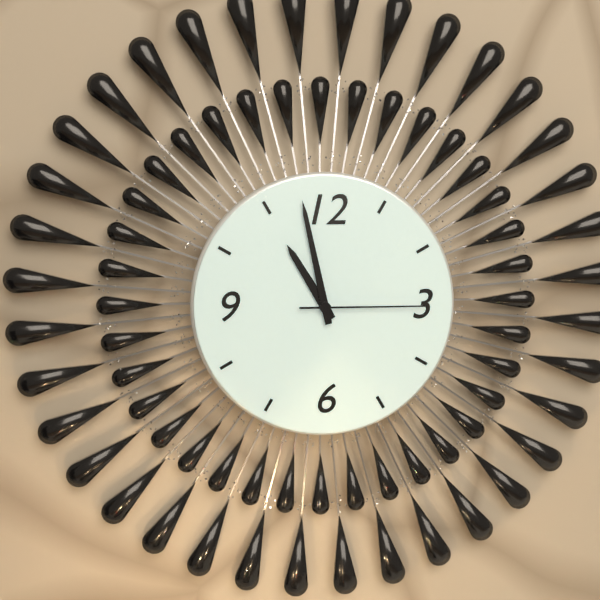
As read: {"hour": 10, "minute": 58, "second": 15}
